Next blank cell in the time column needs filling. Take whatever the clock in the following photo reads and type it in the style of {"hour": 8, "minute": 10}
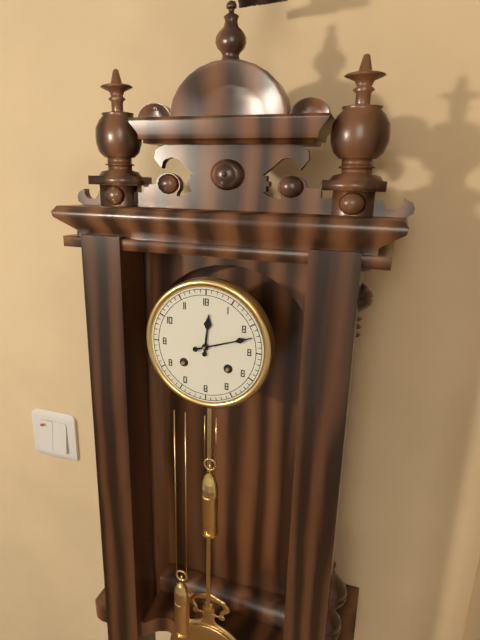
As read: {"hour": 12, "minute": 12}
